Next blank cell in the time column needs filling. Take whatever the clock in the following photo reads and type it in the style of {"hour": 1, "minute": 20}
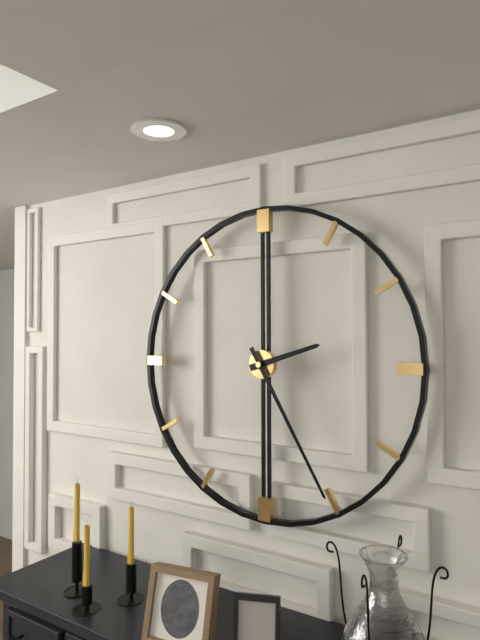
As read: {"hour": 2, "minute": 25}
